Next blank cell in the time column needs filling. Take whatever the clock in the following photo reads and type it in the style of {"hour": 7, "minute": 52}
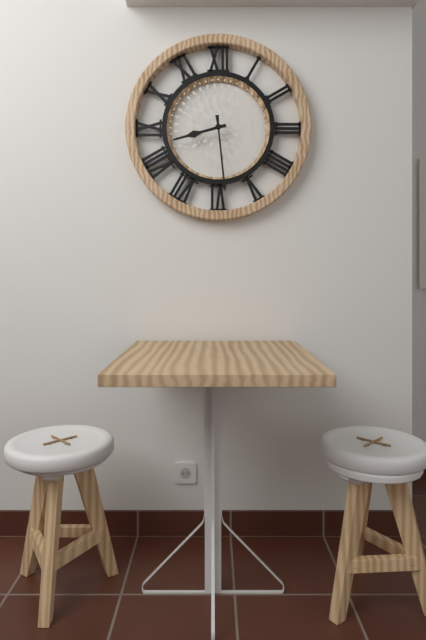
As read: {"hour": 8, "minute": 29}
